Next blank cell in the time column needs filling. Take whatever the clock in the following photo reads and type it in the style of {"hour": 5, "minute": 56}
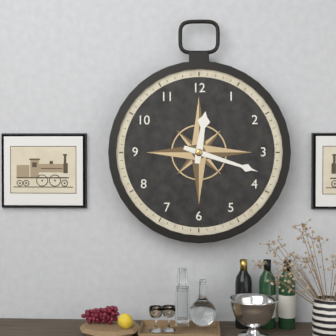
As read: {"hour": 12, "minute": 18}
